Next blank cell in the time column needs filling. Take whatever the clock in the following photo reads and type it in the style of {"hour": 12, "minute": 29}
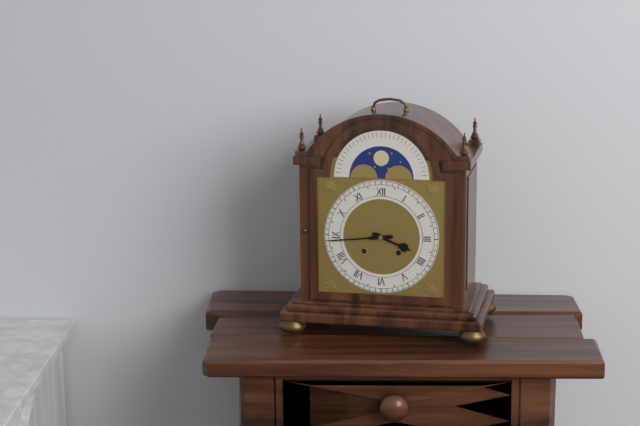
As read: {"hour": 3, "minute": 44}
